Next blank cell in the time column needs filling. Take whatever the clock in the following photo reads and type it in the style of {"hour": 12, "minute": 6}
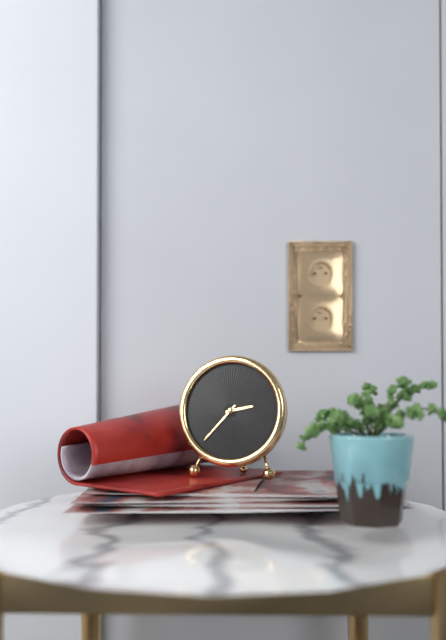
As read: {"hour": 2, "minute": 37}
